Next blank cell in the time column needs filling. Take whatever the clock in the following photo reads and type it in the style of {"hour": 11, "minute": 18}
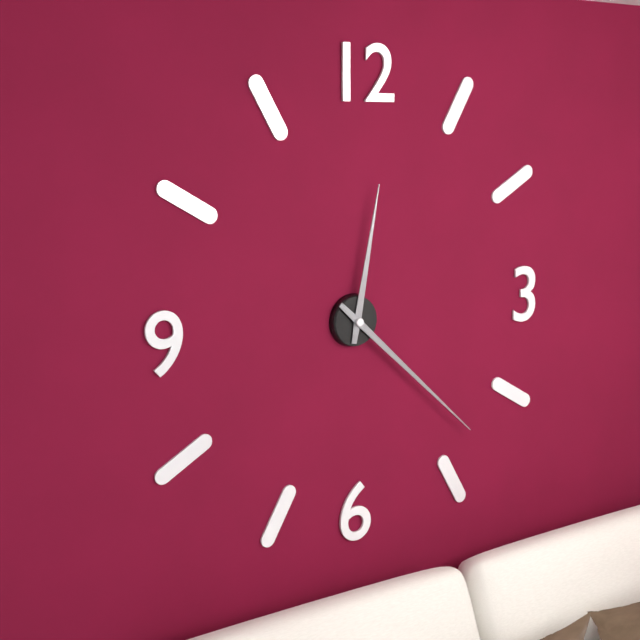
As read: {"hour": 12, "minute": 22}
